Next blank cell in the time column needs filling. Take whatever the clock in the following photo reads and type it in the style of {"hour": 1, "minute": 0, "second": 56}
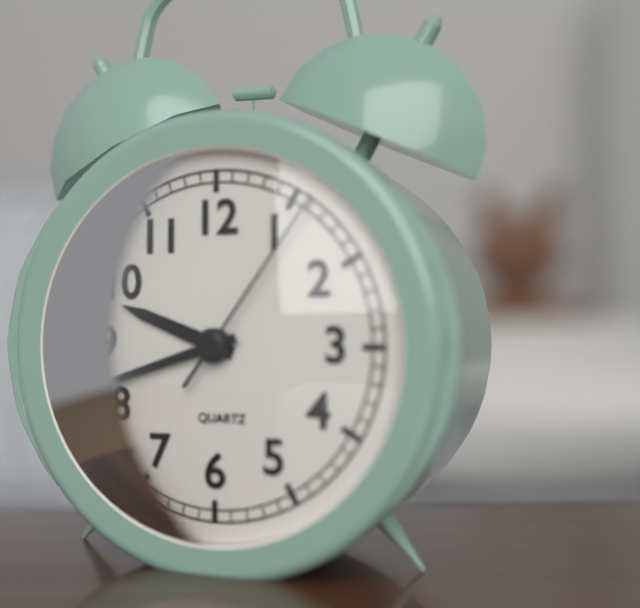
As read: {"hour": 9, "minute": 42, "second": 6}
